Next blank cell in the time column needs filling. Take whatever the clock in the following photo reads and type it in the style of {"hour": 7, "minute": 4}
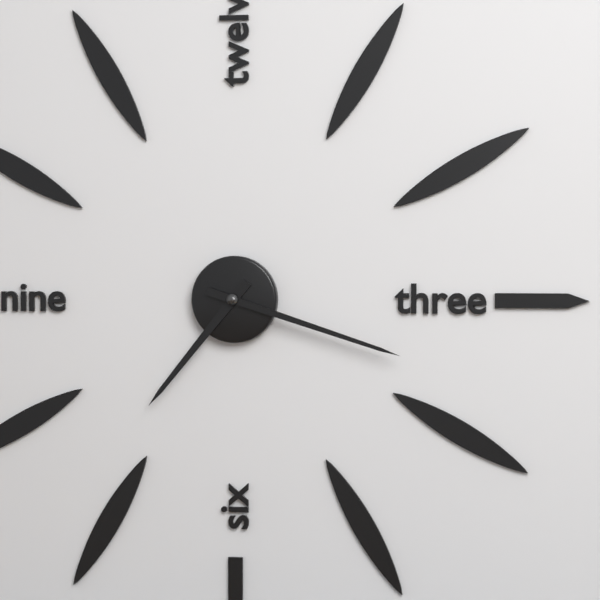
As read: {"hour": 7, "minute": 18}
